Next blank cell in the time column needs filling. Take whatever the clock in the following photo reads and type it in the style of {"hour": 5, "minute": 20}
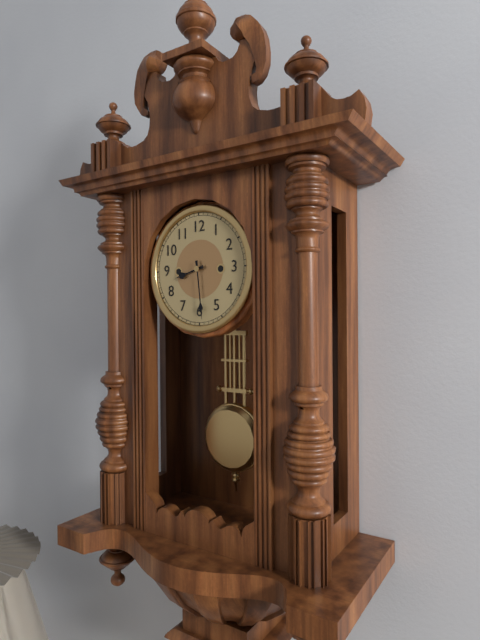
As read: {"hour": 8, "minute": 29}
